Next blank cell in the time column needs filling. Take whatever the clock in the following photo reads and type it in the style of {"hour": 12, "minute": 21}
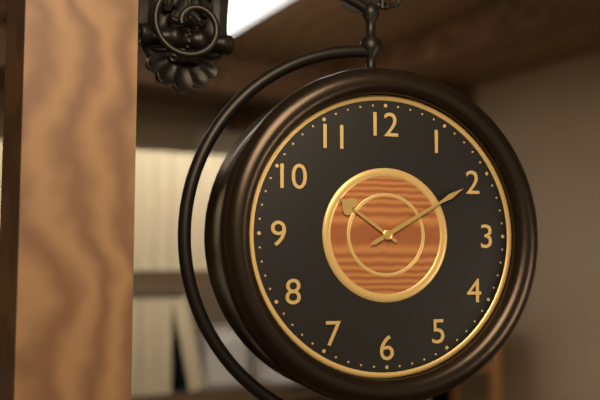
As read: {"hour": 10, "minute": 10}
